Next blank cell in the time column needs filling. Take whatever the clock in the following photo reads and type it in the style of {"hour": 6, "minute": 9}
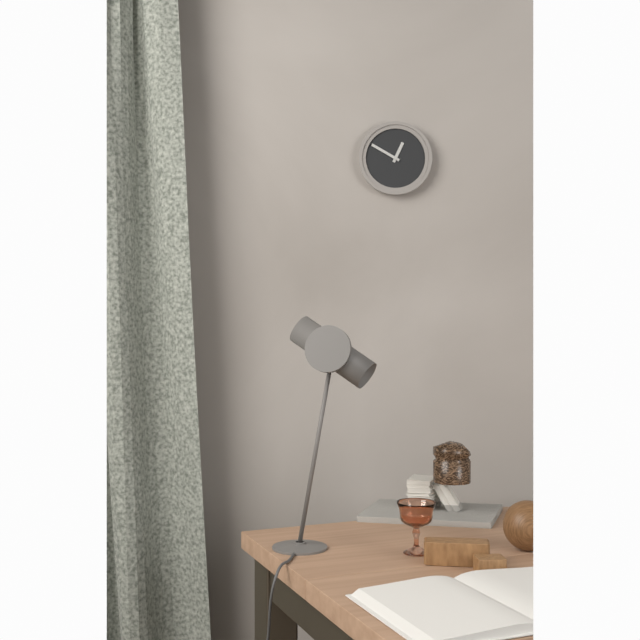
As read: {"hour": 12, "minute": 50}
